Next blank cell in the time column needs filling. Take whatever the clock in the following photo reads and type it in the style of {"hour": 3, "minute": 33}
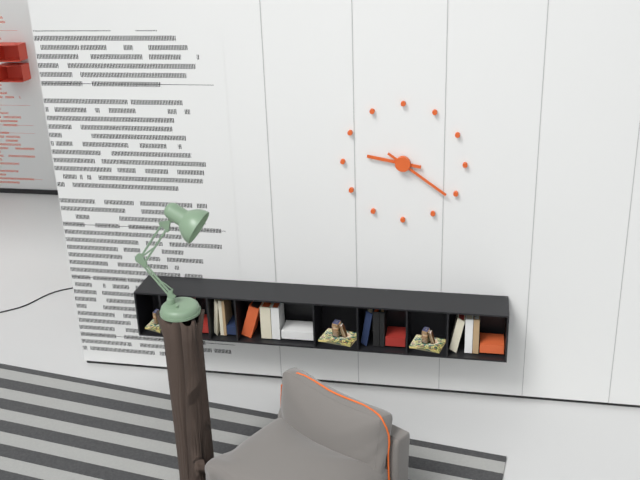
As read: {"hour": 9, "minute": 21}
